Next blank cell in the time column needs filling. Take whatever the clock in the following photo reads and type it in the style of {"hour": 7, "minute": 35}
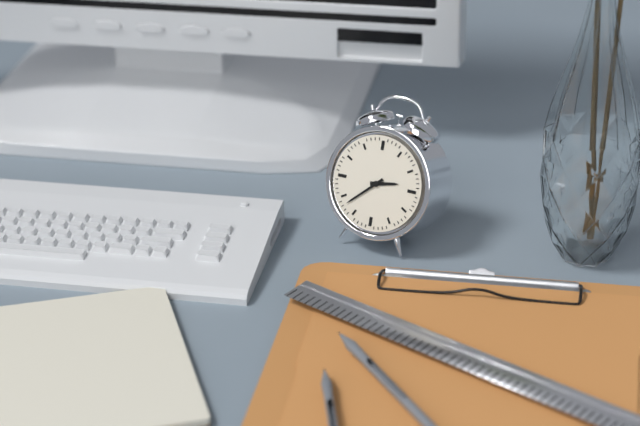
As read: {"hour": 2, "minute": 38}
